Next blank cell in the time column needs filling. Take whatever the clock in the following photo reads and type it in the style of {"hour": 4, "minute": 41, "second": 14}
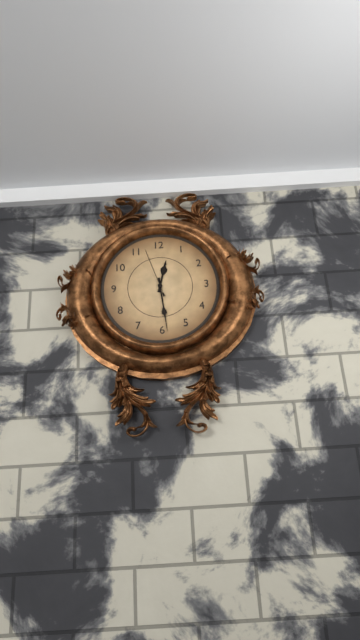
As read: {"hour": 12, "minute": 29, "second": 57}
